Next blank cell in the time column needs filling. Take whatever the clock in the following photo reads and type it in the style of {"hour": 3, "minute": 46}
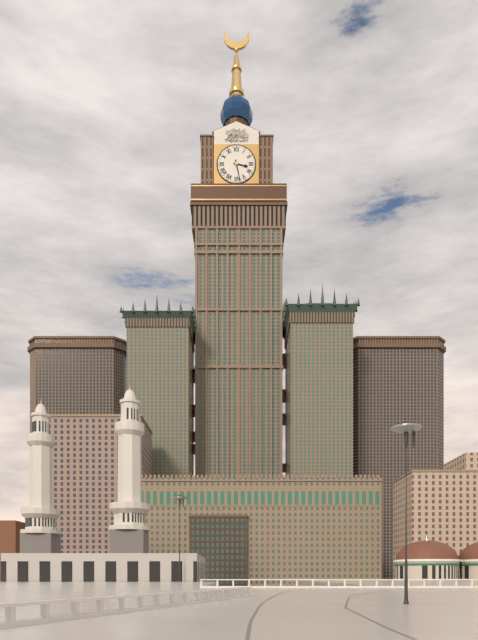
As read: {"hour": 3, "minute": 28}
